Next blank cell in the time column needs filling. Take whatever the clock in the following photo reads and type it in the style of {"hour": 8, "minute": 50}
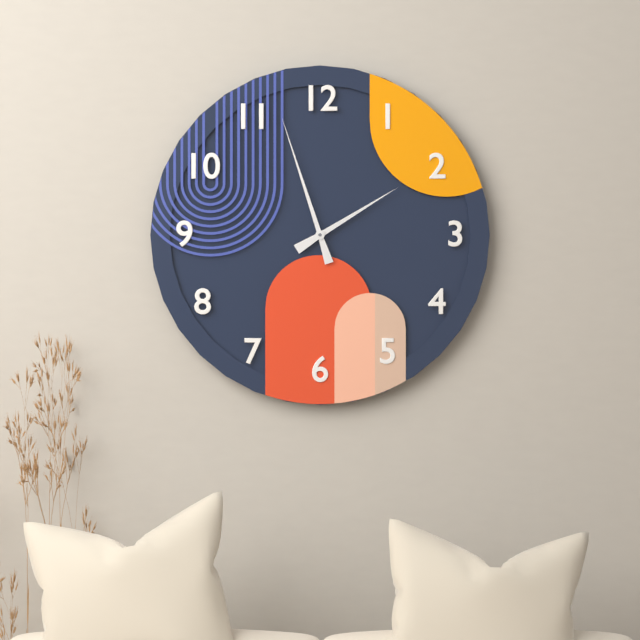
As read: {"hour": 1, "minute": 57}
